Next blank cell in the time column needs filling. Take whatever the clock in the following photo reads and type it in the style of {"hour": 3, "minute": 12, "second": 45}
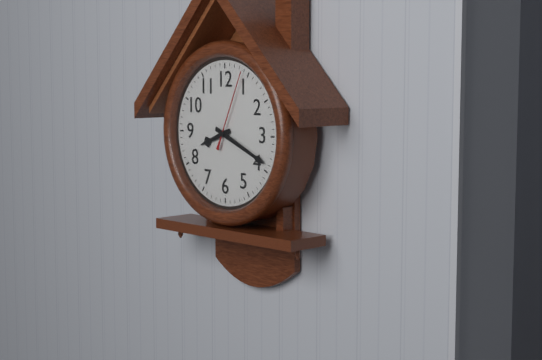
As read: {"hour": 8, "minute": 19, "second": 4}
